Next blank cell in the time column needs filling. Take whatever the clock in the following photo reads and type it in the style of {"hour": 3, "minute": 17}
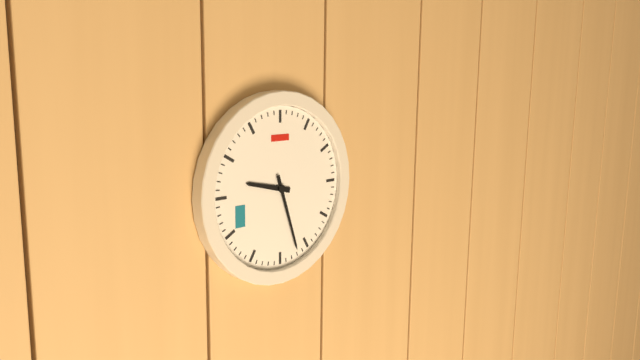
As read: {"hour": 9, "minute": 27}
